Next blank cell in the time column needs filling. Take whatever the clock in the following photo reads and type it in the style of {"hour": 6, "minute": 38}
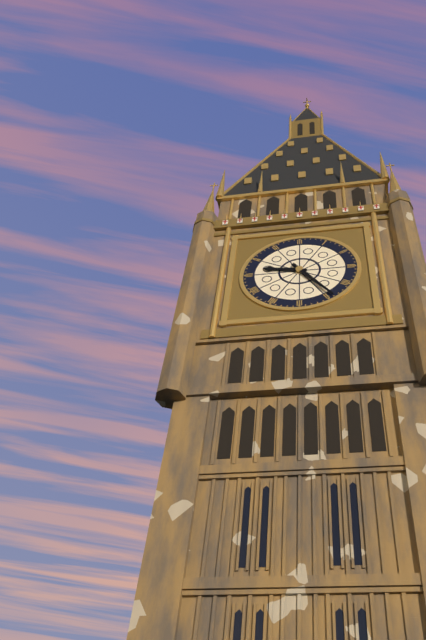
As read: {"hour": 9, "minute": 24}
